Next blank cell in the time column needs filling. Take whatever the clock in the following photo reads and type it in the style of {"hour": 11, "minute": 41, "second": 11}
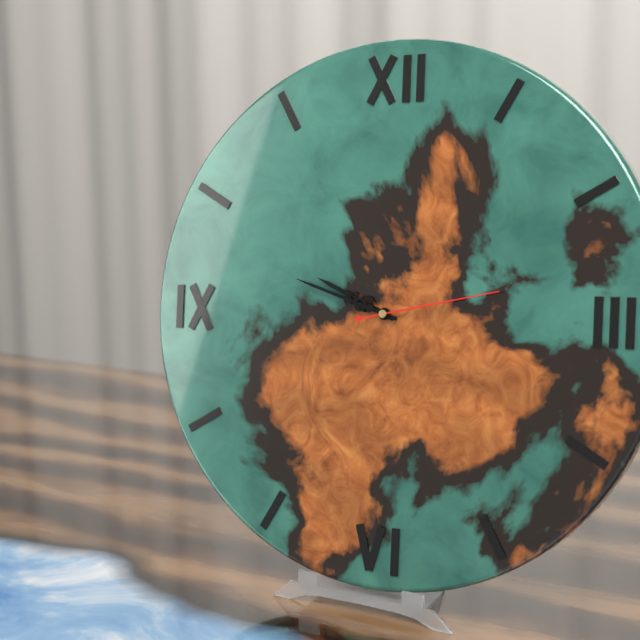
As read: {"hour": 9, "minute": 48, "second": 13}
